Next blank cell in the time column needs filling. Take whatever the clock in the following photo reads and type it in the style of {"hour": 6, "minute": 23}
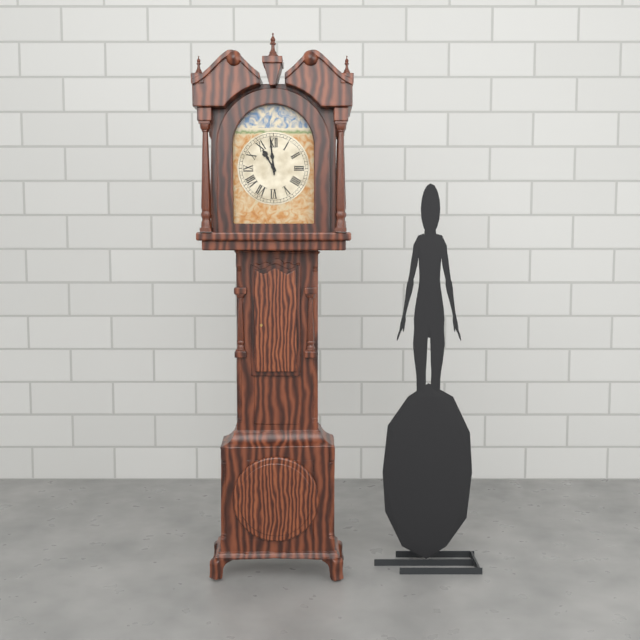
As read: {"hour": 10, "minute": 59}
